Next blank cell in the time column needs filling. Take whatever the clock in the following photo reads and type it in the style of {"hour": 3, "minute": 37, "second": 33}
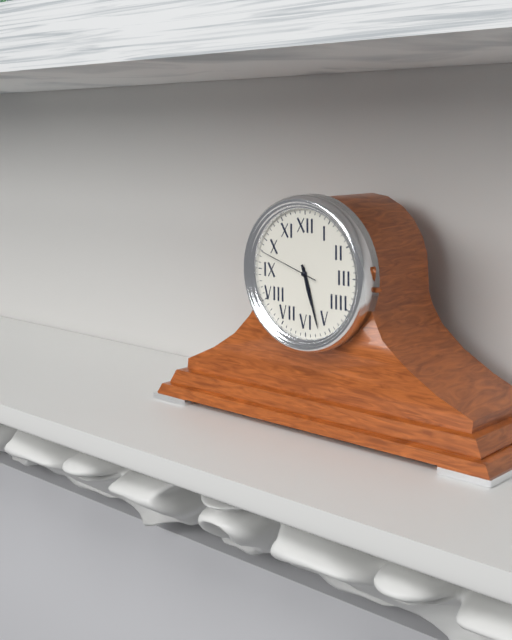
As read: {"hour": 5, "minute": 27, "second": 48}
